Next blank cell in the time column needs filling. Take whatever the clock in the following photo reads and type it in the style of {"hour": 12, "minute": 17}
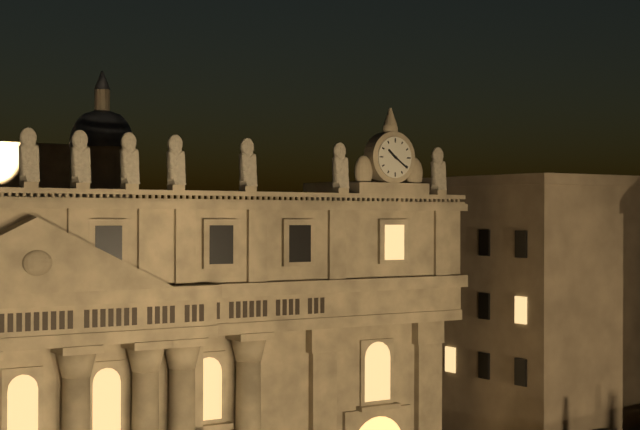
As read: {"hour": 10, "minute": 21}
